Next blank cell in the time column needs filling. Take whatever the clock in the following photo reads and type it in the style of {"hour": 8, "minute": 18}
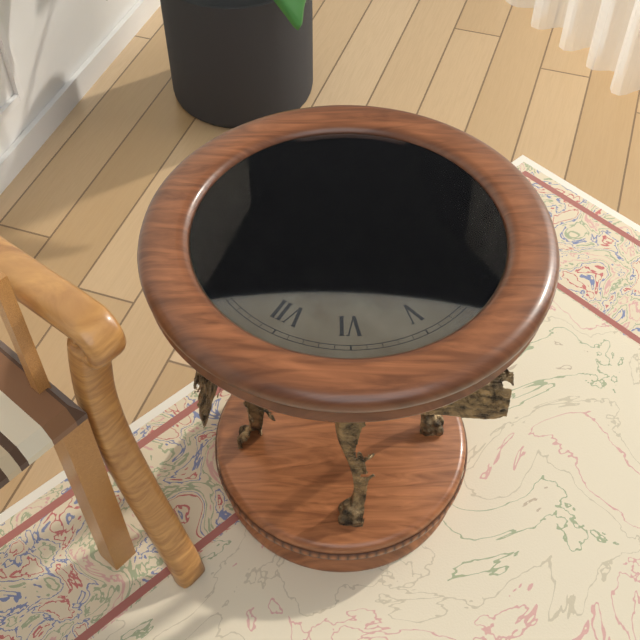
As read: {"hour": 7, "minute": 16}
